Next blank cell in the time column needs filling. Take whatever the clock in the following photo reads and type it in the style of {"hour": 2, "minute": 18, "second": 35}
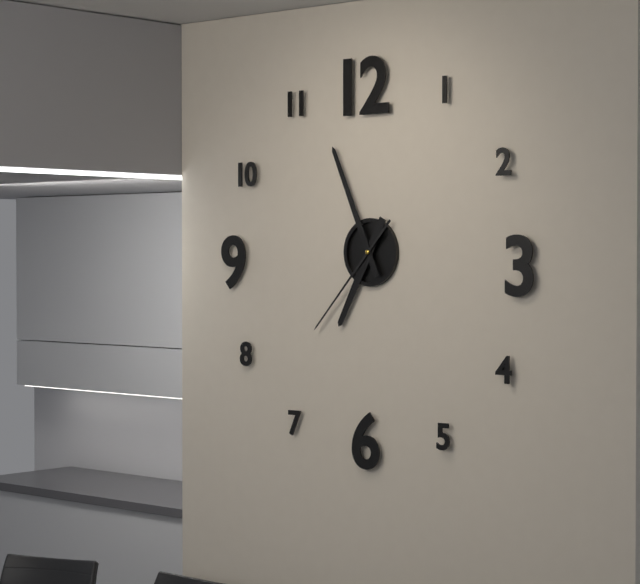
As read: {"hour": 6, "minute": 56, "second": 37}
